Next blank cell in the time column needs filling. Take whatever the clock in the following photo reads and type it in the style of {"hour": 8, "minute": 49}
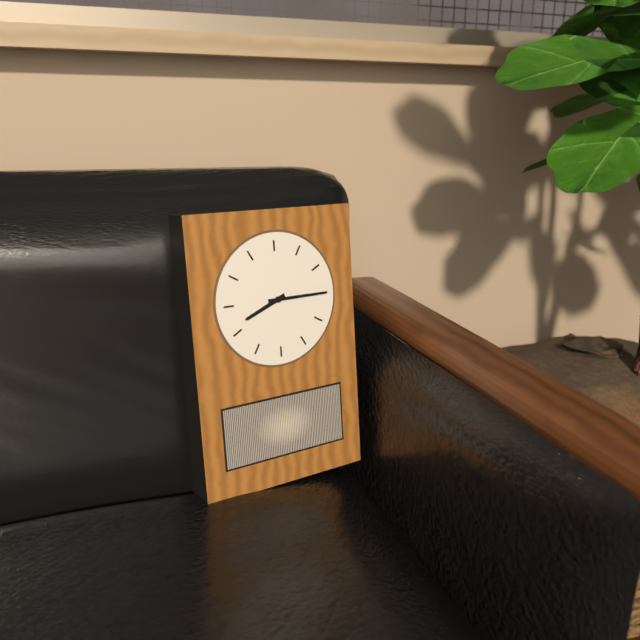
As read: {"hour": 8, "minute": 15}
